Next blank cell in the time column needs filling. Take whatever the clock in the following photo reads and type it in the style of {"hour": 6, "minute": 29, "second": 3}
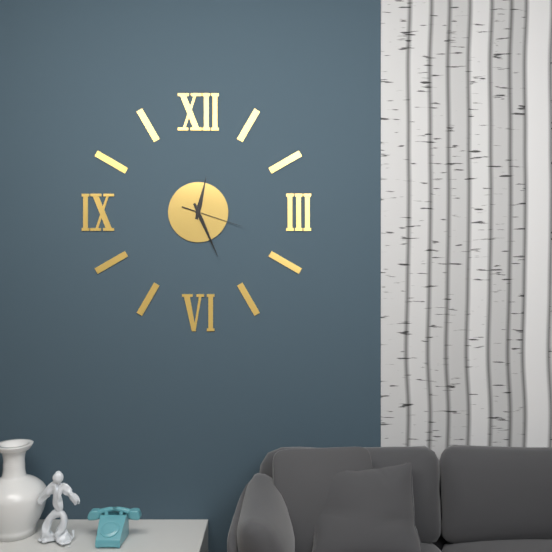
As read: {"hour": 12, "minute": 26, "second": 18}
